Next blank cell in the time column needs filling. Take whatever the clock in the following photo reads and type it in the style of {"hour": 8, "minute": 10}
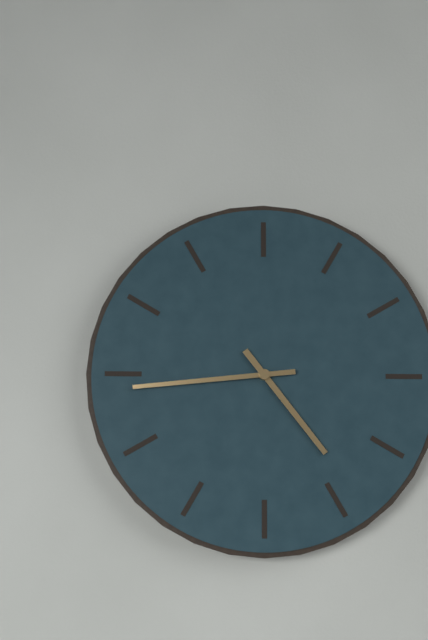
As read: {"hour": 4, "minute": 44}
